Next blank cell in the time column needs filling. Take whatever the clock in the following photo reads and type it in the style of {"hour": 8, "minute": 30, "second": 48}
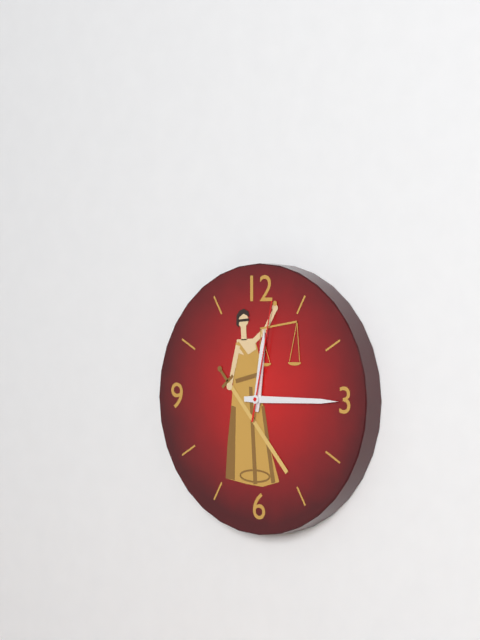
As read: {"hour": 12, "minute": 15, "second": 2}
